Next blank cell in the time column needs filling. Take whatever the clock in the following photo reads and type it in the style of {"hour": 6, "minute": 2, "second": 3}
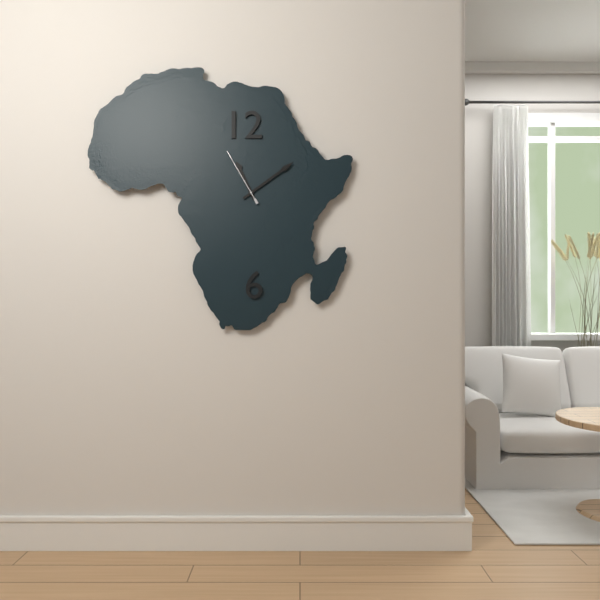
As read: {"hour": 11, "minute": 9, "second": 55}
